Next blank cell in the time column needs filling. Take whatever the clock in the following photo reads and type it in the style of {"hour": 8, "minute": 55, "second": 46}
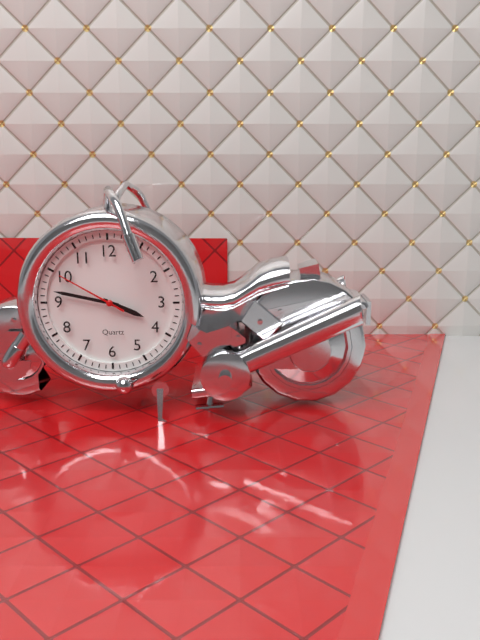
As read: {"hour": 3, "minute": 47, "second": 50}
